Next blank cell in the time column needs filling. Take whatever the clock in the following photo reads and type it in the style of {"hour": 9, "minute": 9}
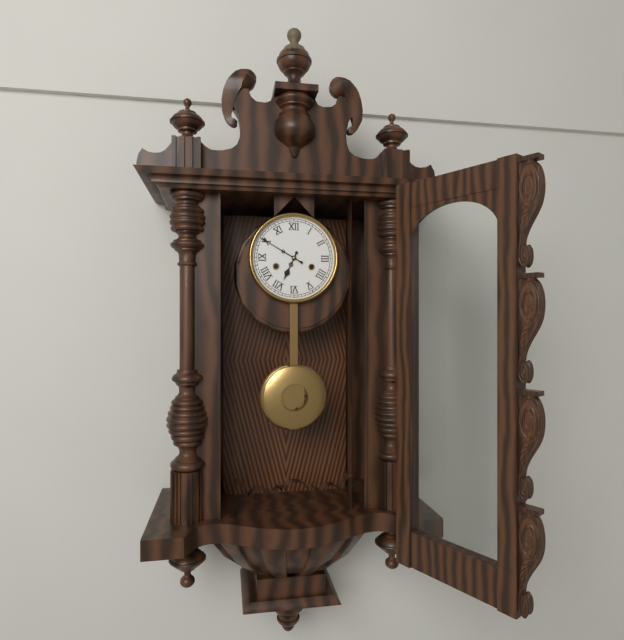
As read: {"hour": 6, "minute": 50}
